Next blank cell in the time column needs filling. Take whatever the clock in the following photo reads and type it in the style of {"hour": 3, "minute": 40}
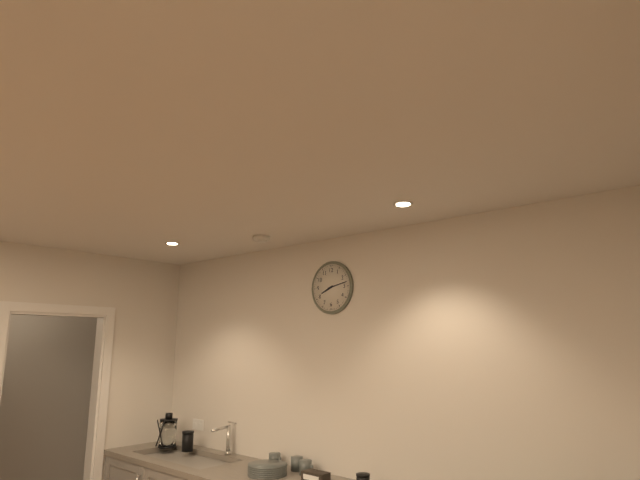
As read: {"hour": 8, "minute": 13}
